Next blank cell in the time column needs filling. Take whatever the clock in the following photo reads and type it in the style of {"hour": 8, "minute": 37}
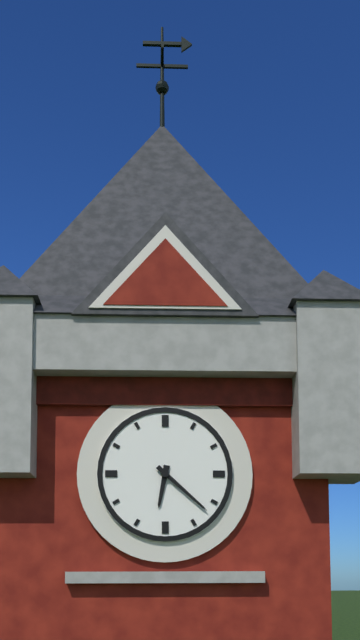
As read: {"hour": 6, "minute": 22}
